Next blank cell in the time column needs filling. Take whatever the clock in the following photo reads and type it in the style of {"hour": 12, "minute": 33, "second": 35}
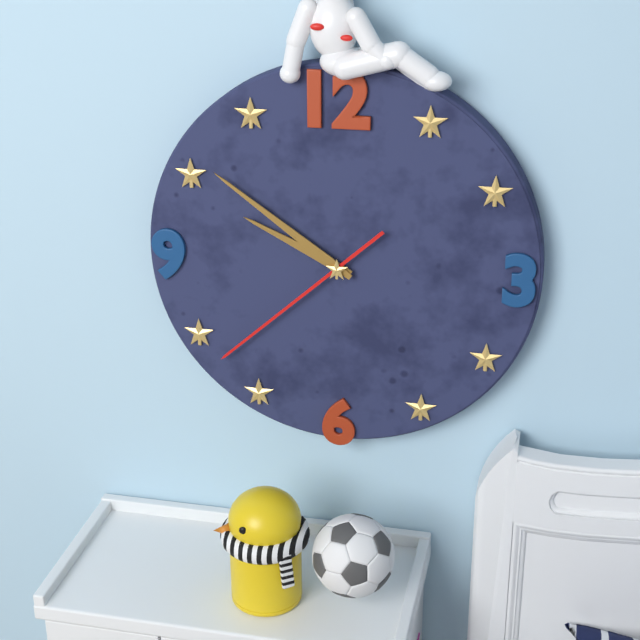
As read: {"hour": 9, "minute": 51, "second": 38}
